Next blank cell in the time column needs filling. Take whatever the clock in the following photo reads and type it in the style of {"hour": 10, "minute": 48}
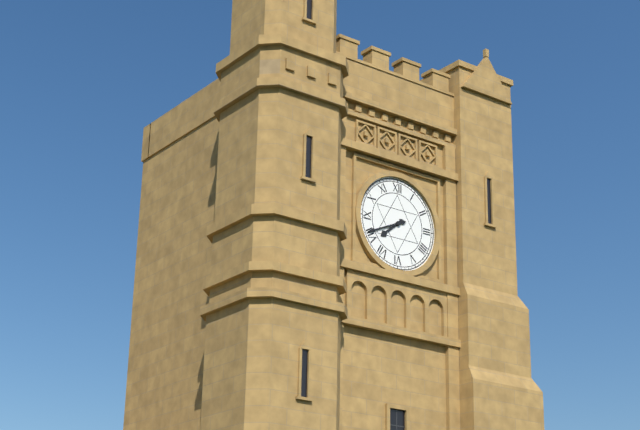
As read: {"hour": 7, "minute": 41}
